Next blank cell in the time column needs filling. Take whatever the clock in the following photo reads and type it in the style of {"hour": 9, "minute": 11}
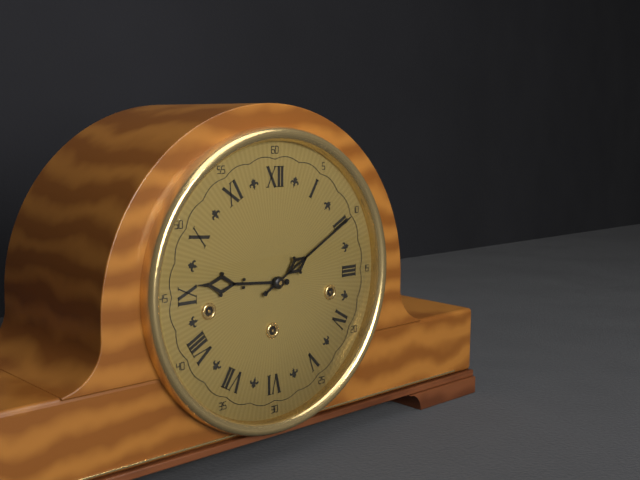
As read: {"hour": 9, "minute": 10}
